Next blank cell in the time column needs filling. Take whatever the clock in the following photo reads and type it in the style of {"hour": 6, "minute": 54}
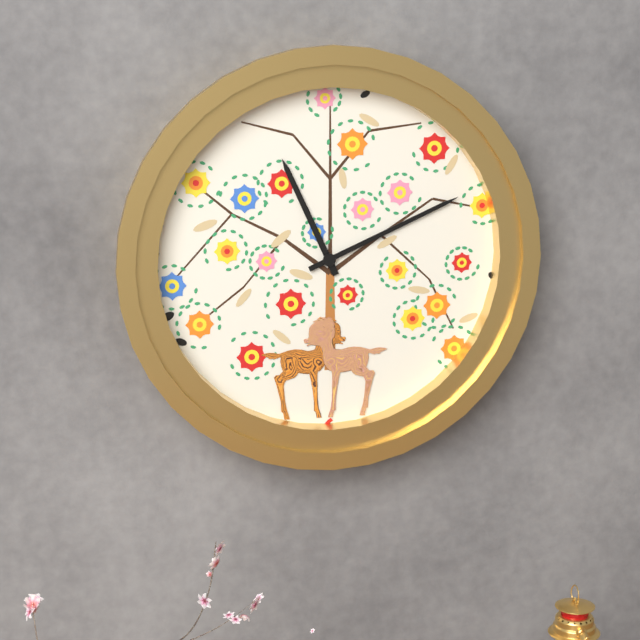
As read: {"hour": 11, "minute": 11}
